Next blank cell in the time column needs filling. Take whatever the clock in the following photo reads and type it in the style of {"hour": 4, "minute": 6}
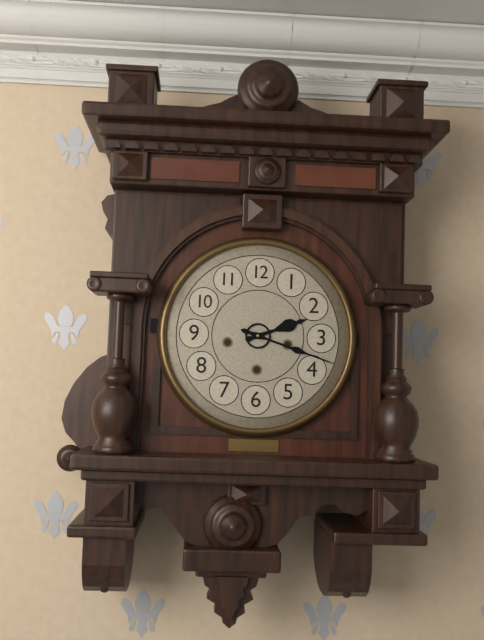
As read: {"hour": 2, "minute": 18}
